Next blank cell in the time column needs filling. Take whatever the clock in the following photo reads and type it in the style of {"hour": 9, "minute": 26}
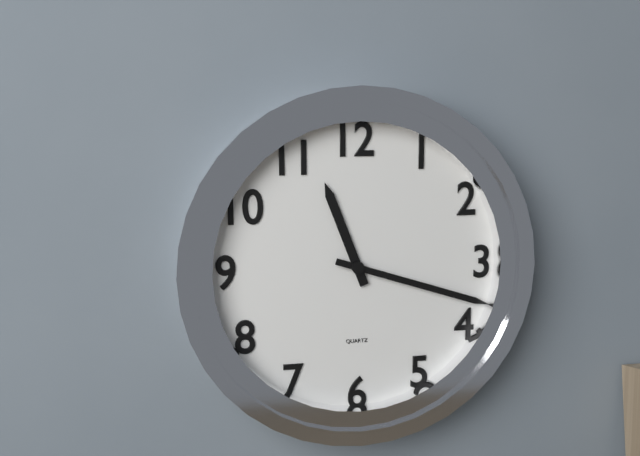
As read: {"hour": 11, "minute": 18}
